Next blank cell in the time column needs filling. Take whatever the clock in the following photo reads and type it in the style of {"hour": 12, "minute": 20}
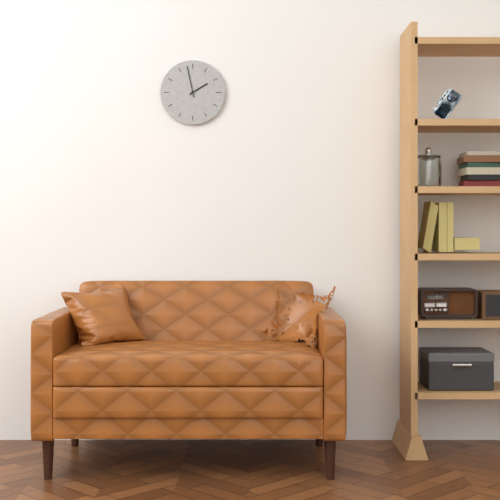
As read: {"hour": 1, "minute": 58}
